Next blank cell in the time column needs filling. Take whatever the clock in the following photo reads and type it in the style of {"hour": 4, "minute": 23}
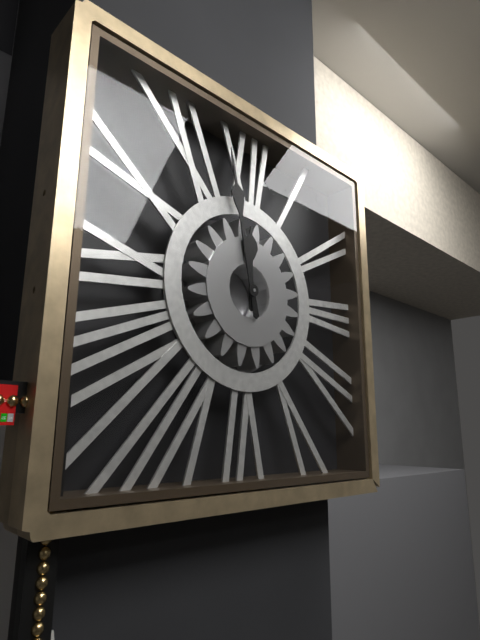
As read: {"hour": 11, "minute": 58}
